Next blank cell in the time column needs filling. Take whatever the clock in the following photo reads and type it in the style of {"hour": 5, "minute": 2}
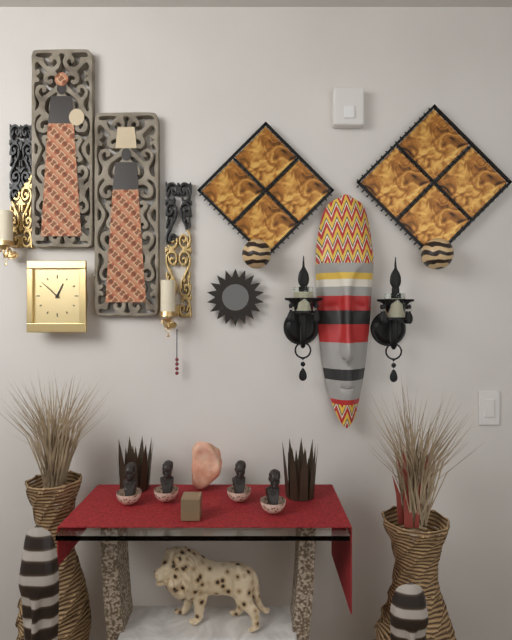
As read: {"hour": 12, "minute": 52}
